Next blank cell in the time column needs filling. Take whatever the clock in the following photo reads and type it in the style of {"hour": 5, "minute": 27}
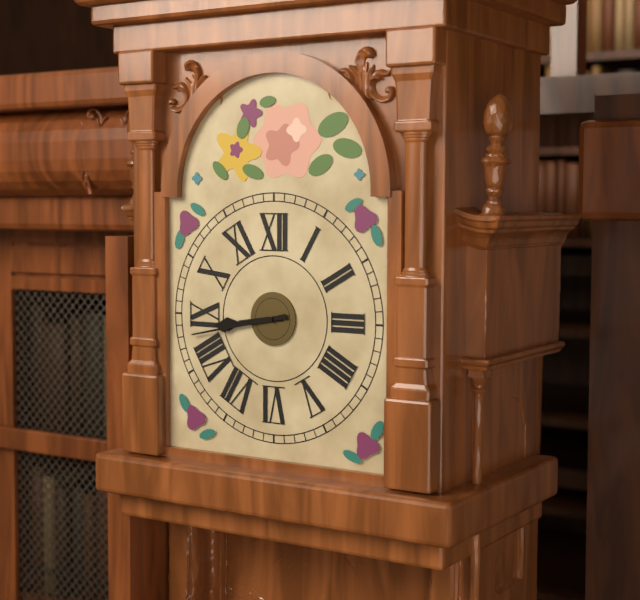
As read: {"hour": 8, "minute": 43}
